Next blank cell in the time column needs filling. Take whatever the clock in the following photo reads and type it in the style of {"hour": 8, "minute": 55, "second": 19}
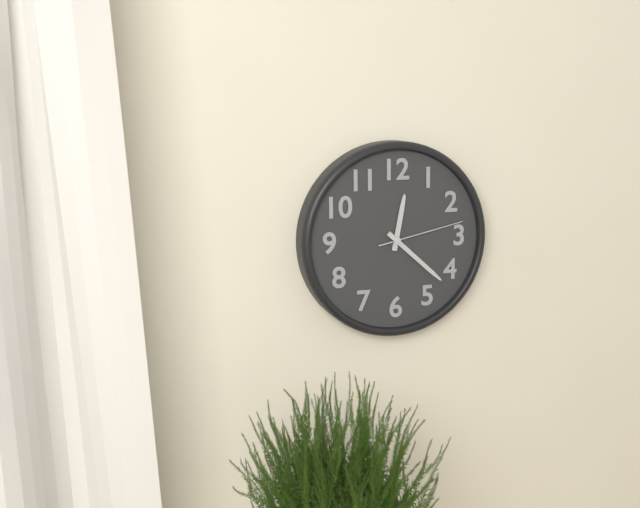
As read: {"hour": 12, "minute": 22, "second": 13}
